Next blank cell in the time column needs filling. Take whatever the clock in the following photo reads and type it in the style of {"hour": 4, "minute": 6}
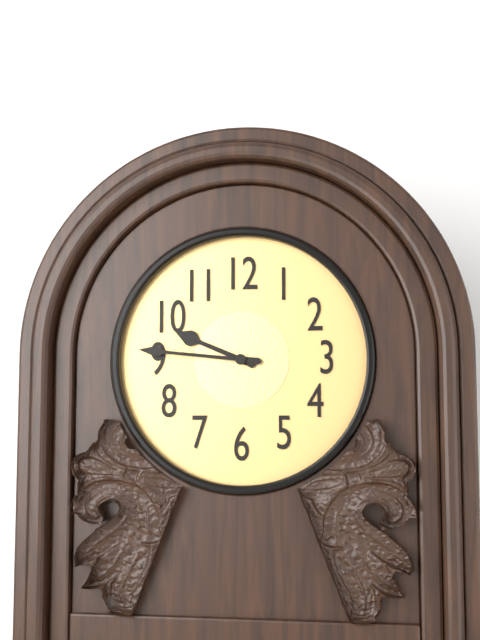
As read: {"hour": 9, "minute": 46}
